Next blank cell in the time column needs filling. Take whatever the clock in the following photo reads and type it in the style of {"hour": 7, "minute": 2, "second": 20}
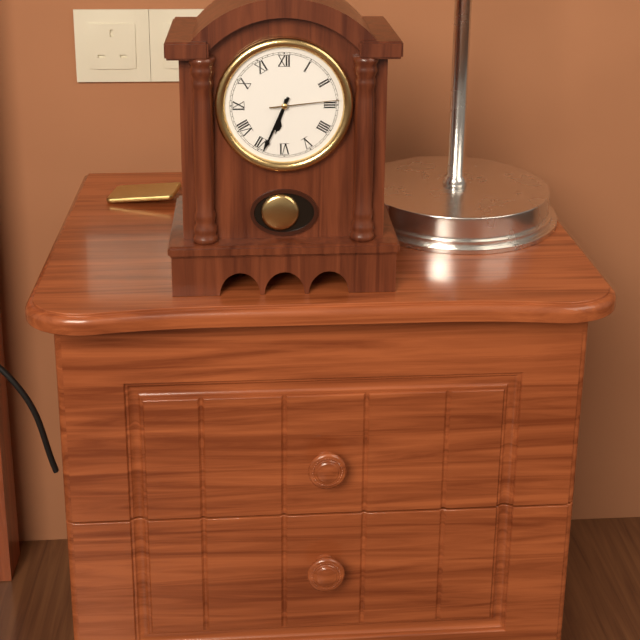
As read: {"hour": 6, "minute": 34, "second": 14}
